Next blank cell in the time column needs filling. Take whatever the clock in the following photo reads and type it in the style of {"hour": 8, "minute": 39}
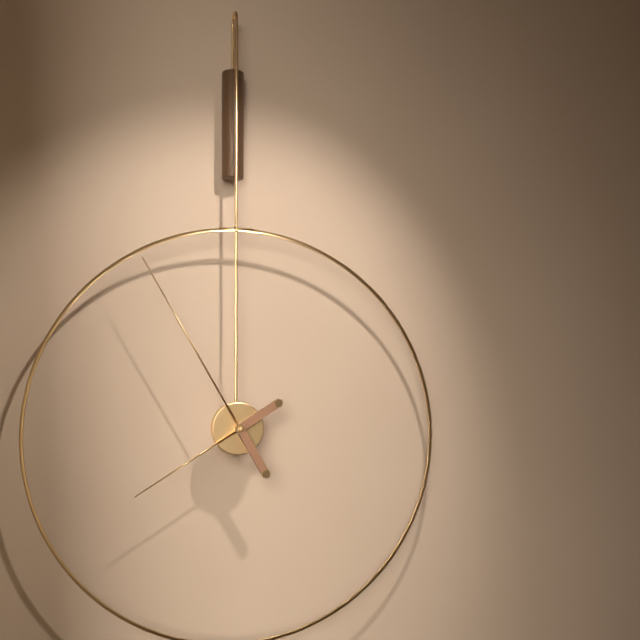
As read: {"hour": 7, "minute": 55}
